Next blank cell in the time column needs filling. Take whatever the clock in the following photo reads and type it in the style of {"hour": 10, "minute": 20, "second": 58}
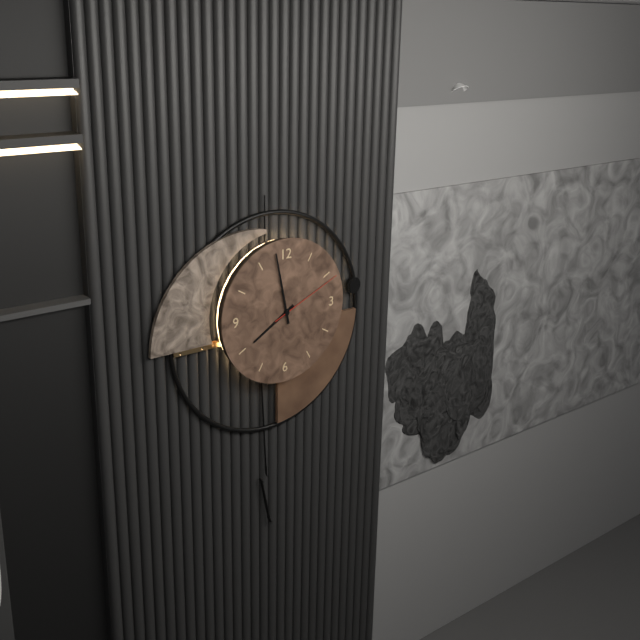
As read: {"hour": 7, "minute": 58, "second": 11}
